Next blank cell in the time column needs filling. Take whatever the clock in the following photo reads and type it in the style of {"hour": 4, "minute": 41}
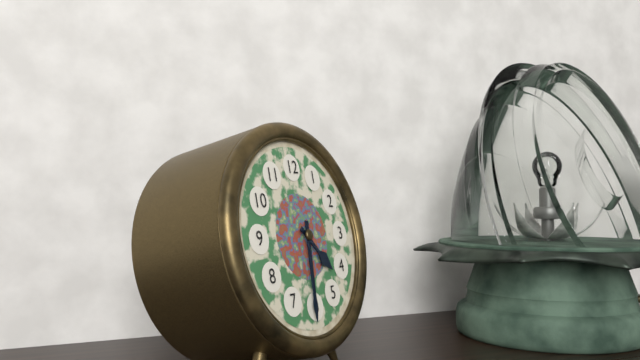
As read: {"hour": 4, "minute": 31}
